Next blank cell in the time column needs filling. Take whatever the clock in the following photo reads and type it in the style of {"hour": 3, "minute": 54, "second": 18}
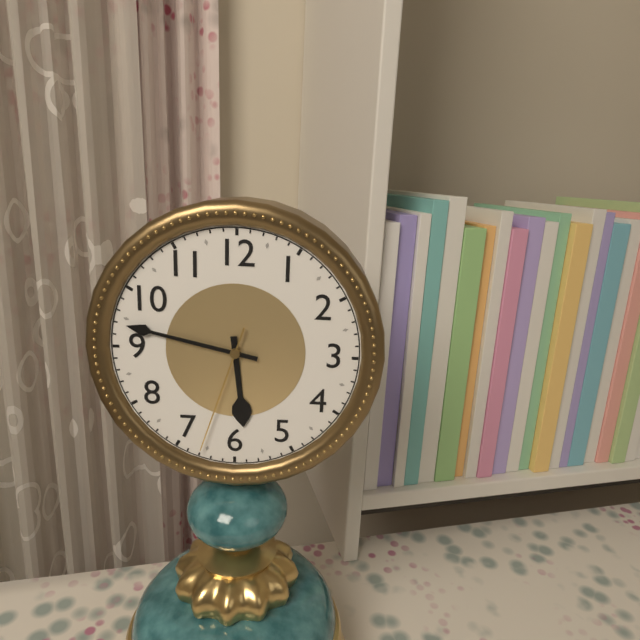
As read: {"hour": 5, "minute": 47, "second": 33}
